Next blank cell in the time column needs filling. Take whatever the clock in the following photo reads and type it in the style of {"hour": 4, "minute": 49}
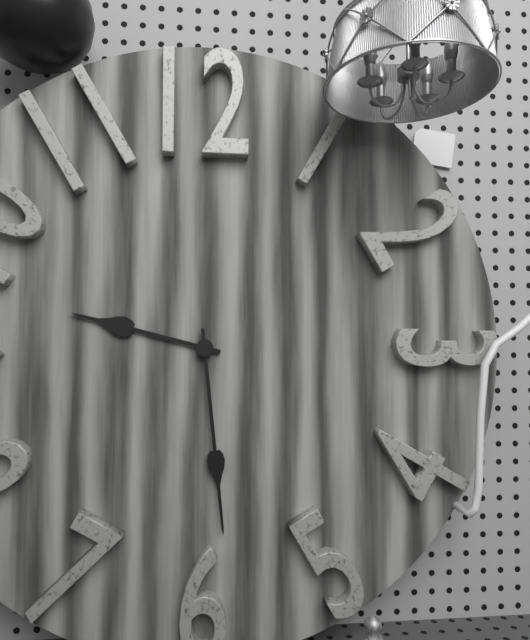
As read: {"hour": 9, "minute": 29}
